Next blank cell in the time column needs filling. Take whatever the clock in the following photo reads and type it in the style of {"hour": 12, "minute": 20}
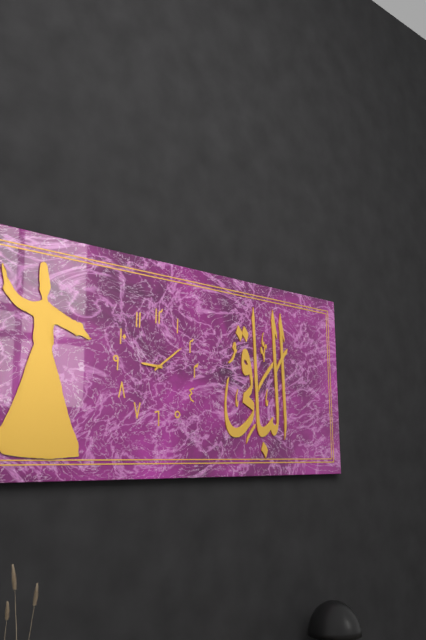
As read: {"hour": 9, "minute": 9}
